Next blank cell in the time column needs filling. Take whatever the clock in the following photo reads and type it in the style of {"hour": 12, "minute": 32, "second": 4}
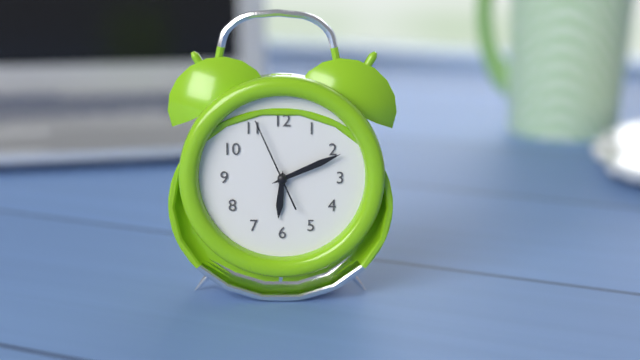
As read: {"hour": 6, "minute": 11, "second": 56}
